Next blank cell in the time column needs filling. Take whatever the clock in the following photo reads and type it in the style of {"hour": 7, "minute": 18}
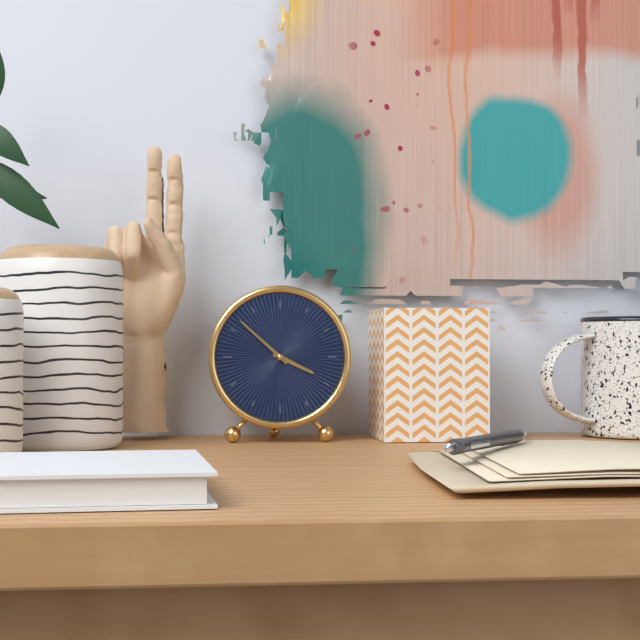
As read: {"hour": 3, "minute": 52}
